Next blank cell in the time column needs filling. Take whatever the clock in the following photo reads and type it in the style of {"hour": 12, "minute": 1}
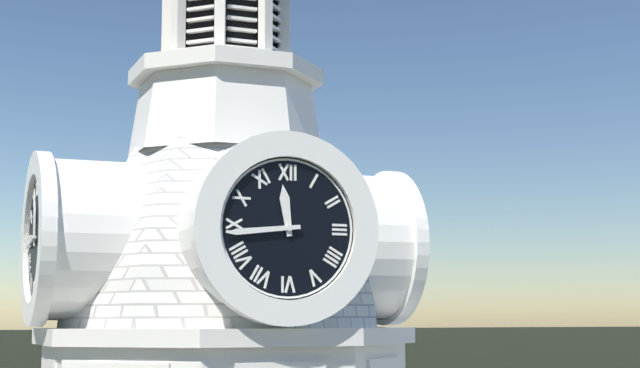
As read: {"hour": 11, "minute": 44}
